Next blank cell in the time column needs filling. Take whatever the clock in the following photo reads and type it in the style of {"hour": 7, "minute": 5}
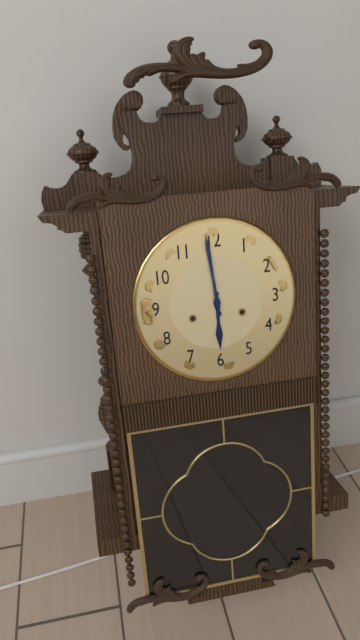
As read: {"hour": 5, "minute": 59}
